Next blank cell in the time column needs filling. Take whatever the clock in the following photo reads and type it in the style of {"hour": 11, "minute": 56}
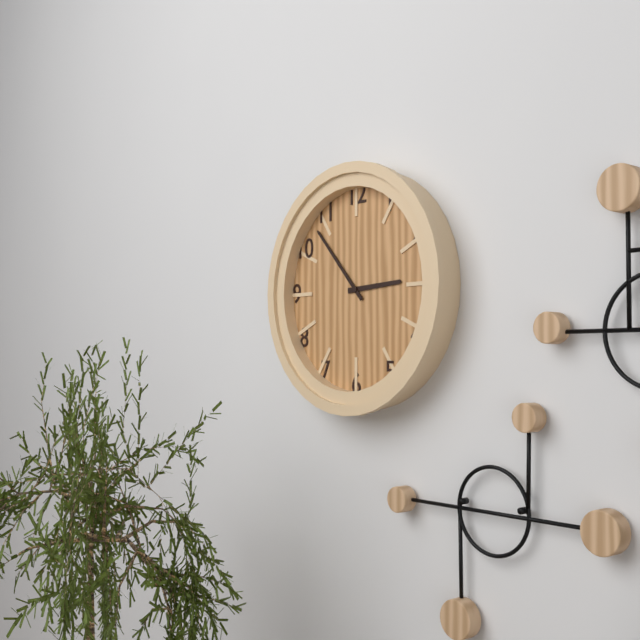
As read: {"hour": 2, "minute": 53}
